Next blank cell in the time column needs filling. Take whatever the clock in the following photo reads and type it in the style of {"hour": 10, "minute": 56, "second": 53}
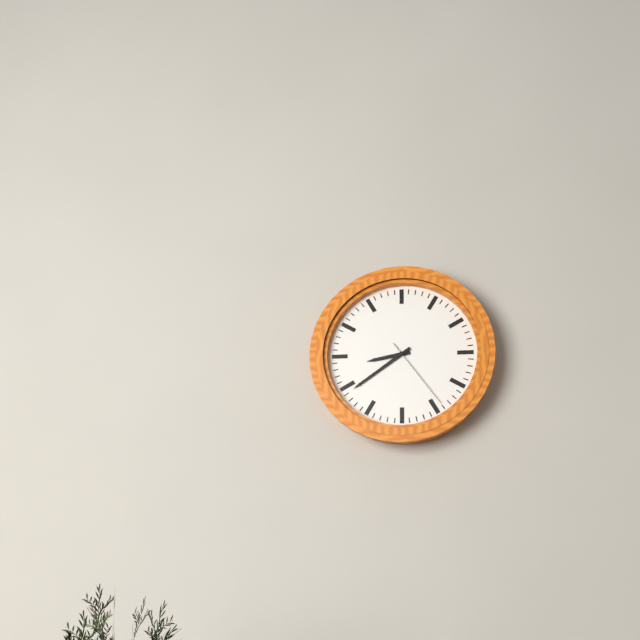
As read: {"hour": 8, "minute": 39, "second": 24}
